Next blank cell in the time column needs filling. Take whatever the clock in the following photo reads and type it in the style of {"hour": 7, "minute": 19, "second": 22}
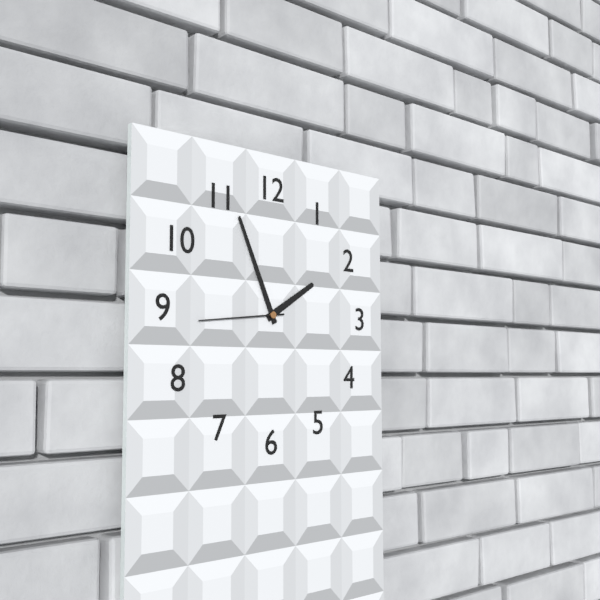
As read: {"hour": 1, "minute": 56, "second": 44}
